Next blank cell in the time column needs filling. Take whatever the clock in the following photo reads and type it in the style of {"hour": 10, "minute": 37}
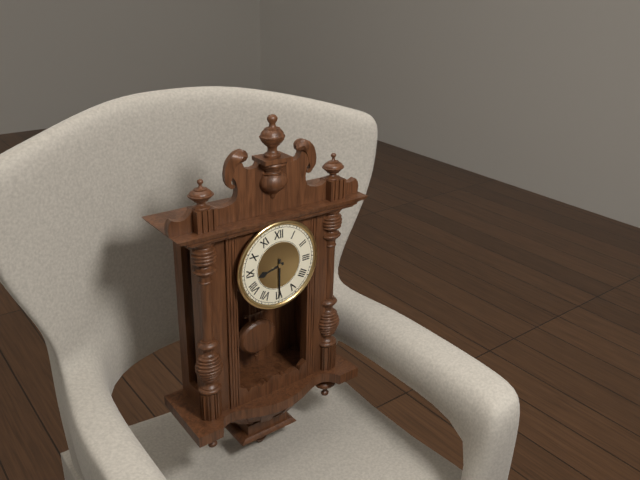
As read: {"hour": 8, "minute": 30}
